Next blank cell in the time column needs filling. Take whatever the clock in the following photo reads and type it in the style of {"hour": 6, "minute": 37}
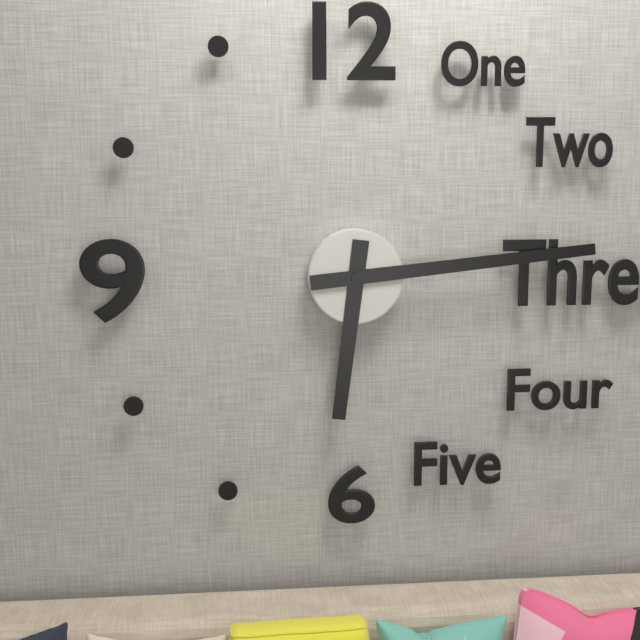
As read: {"hour": 6, "minute": 14}
